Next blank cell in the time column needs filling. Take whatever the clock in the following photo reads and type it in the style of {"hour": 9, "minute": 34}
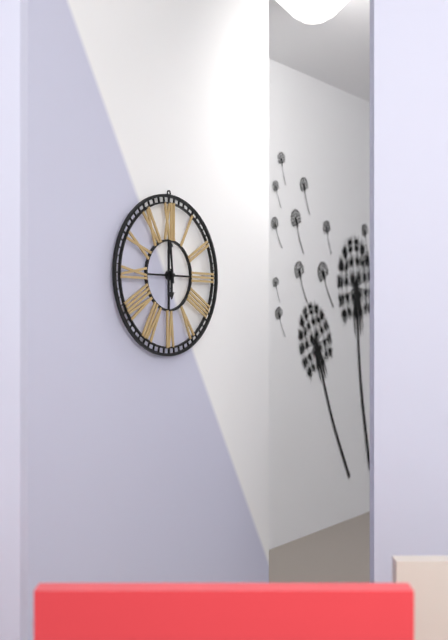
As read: {"hour": 5, "minute": 59}
